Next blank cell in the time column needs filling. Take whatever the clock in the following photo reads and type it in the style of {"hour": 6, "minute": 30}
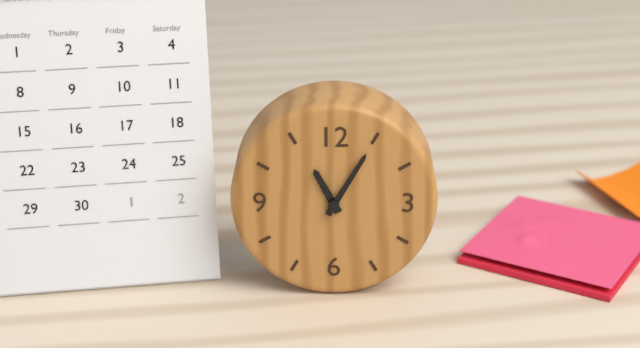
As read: {"hour": 11, "minute": 5}
